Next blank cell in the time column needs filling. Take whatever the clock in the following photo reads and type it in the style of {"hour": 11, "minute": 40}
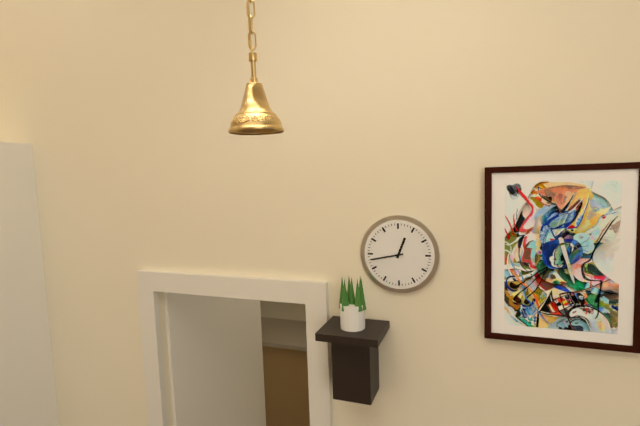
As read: {"hour": 12, "minute": 43}
